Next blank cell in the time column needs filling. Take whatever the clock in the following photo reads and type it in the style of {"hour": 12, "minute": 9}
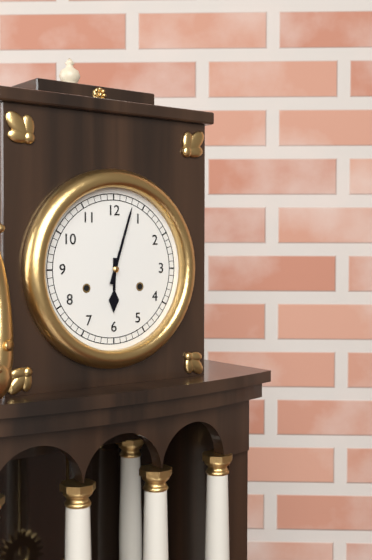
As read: {"hour": 6, "minute": 3}
